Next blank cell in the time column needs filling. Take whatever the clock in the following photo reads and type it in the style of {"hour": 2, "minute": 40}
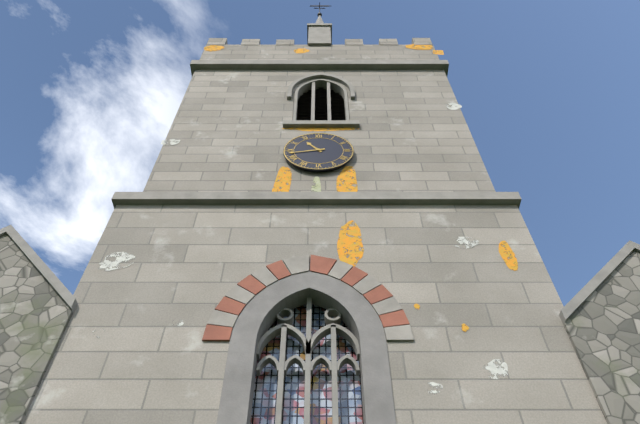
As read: {"hour": 10, "minute": 43}
